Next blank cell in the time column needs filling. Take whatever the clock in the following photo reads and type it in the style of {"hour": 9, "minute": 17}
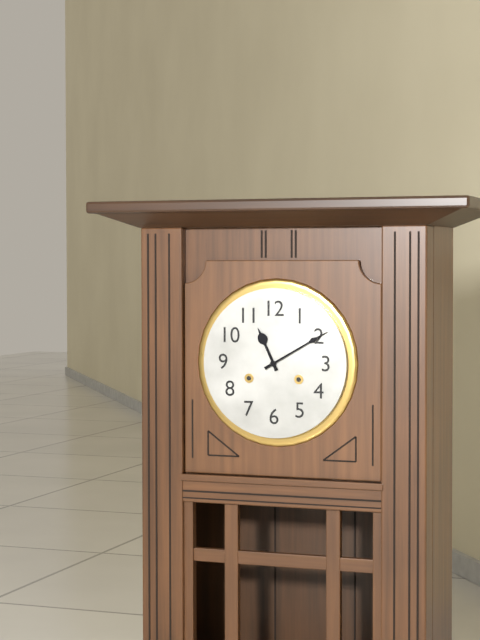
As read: {"hour": 11, "minute": 10}
